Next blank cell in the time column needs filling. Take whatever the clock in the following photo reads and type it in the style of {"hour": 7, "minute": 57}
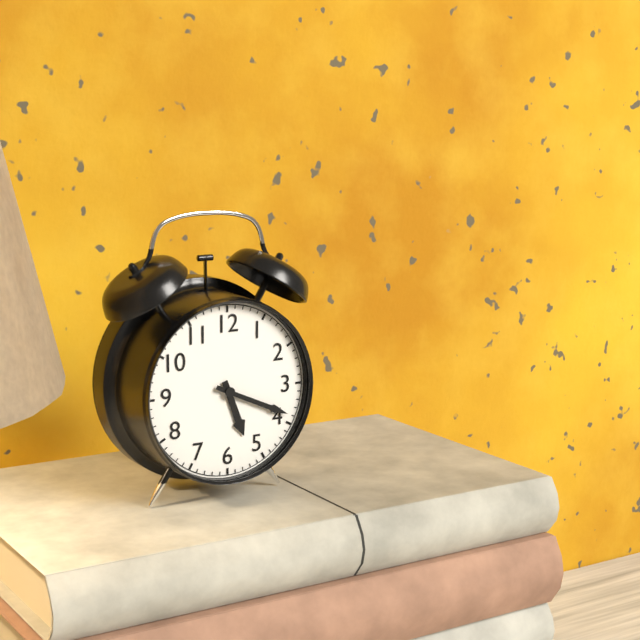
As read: {"hour": 5, "minute": 19}
